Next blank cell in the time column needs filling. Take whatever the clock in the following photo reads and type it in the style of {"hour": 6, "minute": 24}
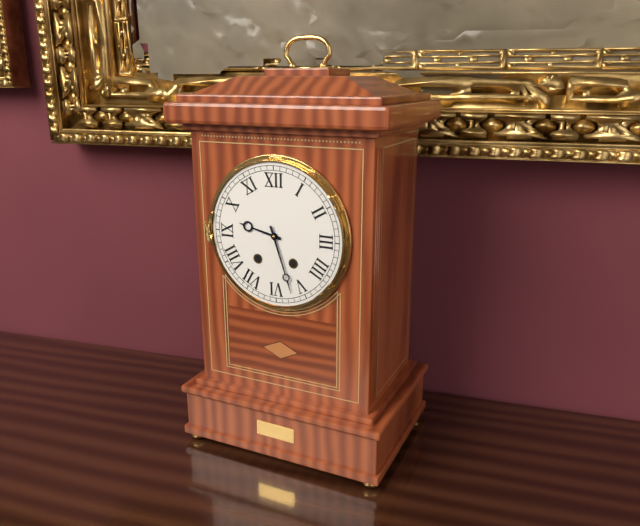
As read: {"hour": 9, "minute": 27}
